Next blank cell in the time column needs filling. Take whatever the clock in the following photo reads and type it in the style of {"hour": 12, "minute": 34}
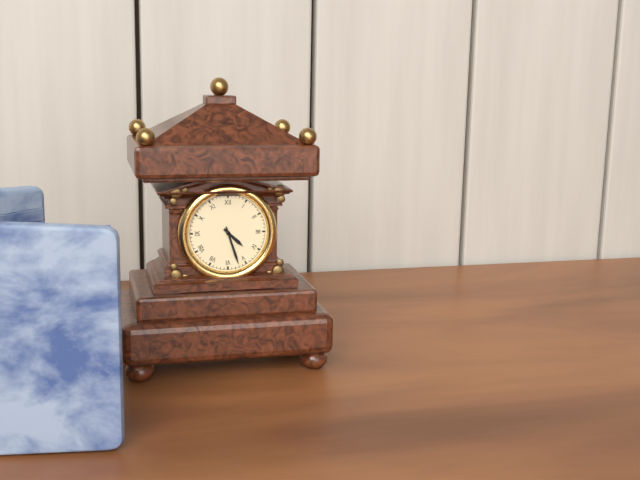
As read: {"hour": 4, "minute": 27}
